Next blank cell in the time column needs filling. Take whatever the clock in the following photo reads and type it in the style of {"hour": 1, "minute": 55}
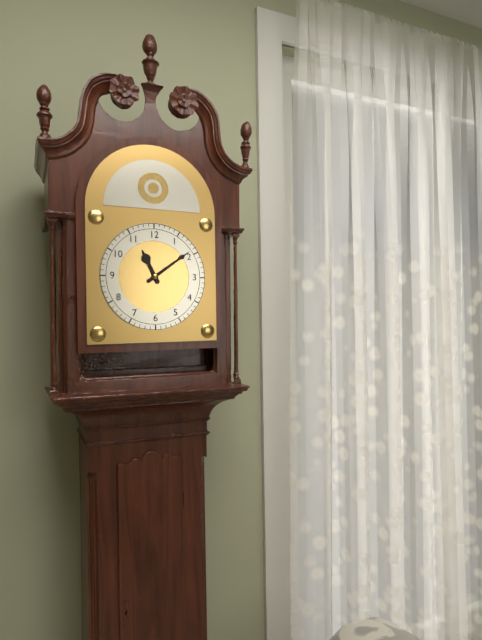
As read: {"hour": 11, "minute": 9}
